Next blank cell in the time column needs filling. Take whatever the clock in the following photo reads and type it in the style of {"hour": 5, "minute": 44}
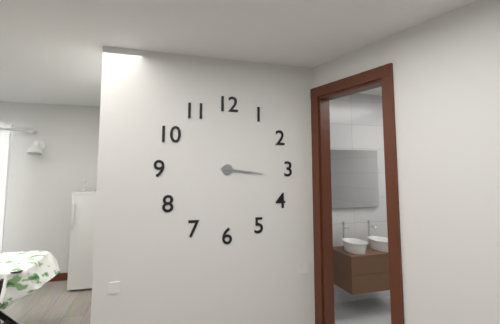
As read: {"hour": 3, "minute": 16}
